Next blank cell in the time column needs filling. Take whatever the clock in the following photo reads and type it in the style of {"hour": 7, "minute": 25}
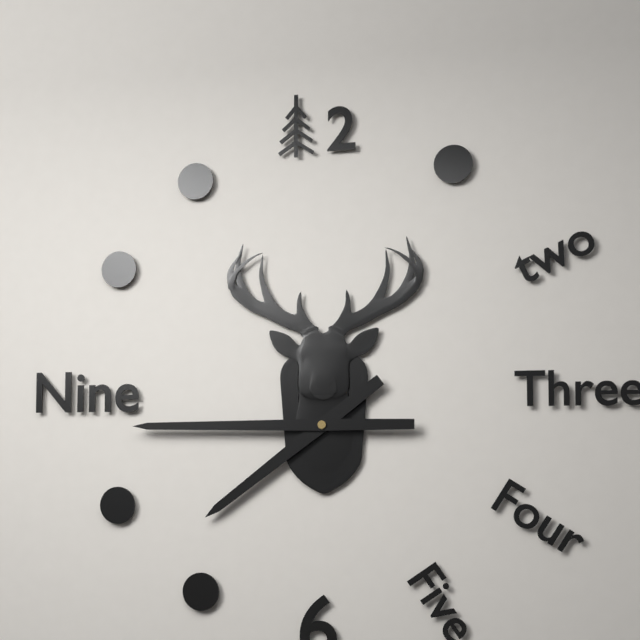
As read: {"hour": 7, "minute": 45}
